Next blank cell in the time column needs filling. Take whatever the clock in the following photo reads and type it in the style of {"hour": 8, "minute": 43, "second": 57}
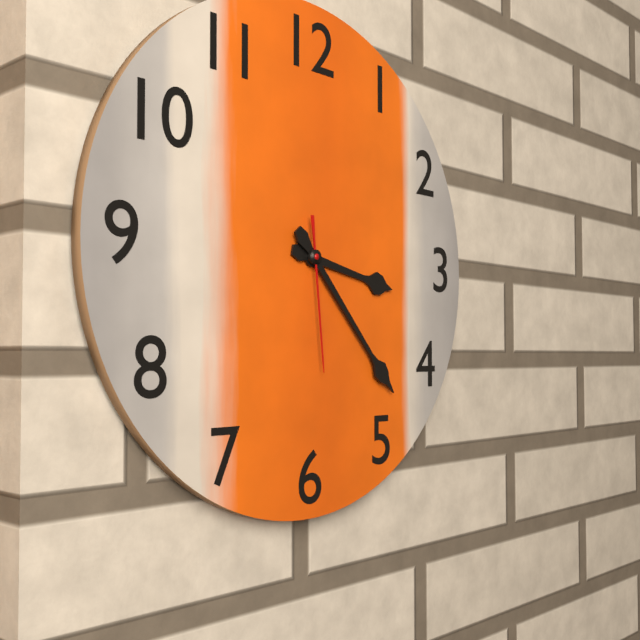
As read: {"hour": 3, "minute": 23, "second": 29}
